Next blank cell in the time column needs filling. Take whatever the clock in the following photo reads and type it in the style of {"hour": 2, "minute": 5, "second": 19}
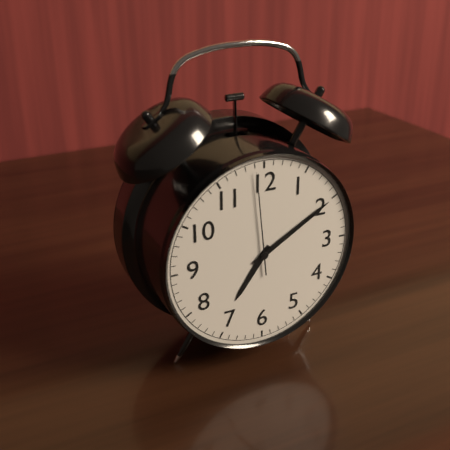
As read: {"hour": 7, "minute": 10, "second": 59}
